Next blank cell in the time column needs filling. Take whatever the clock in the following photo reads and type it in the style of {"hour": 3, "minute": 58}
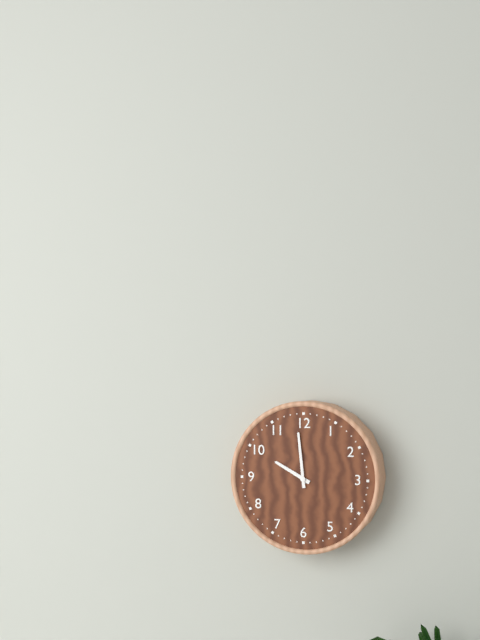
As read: {"hour": 9, "minute": 59}
